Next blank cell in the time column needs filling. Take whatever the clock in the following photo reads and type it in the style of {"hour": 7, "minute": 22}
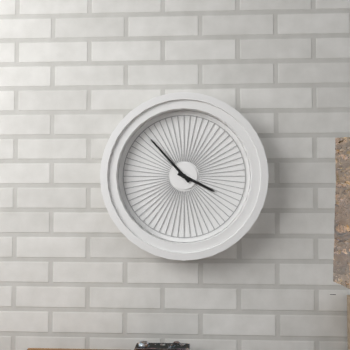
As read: {"hour": 3, "minute": 53}
